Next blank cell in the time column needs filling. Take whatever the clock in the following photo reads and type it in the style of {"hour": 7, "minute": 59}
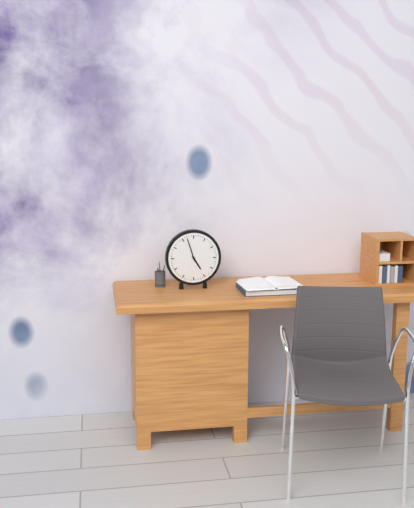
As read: {"hour": 4, "minute": 57}
